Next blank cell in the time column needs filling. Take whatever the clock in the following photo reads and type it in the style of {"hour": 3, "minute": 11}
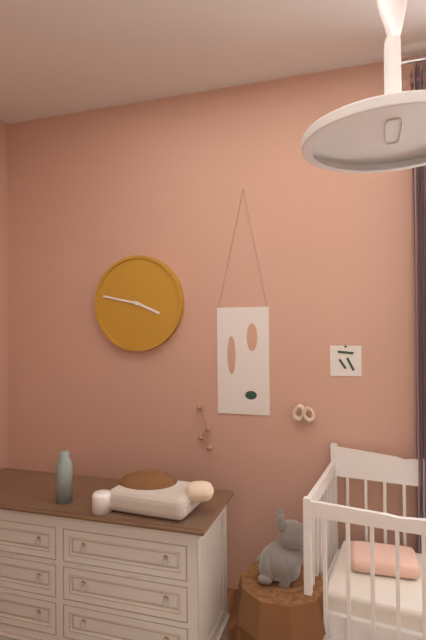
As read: {"hour": 3, "minute": 47}
